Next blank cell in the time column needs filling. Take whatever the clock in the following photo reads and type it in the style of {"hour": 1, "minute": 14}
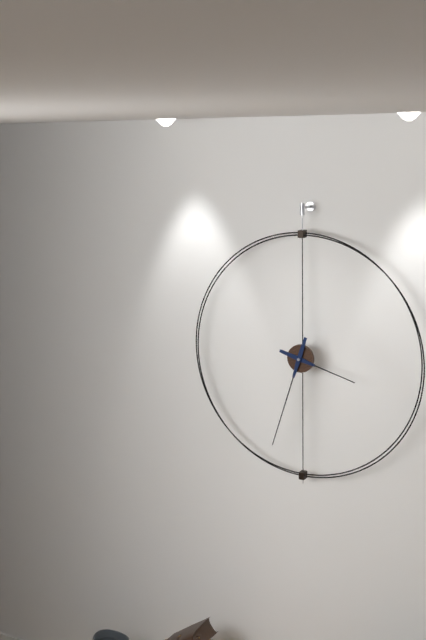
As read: {"hour": 3, "minute": 33}
